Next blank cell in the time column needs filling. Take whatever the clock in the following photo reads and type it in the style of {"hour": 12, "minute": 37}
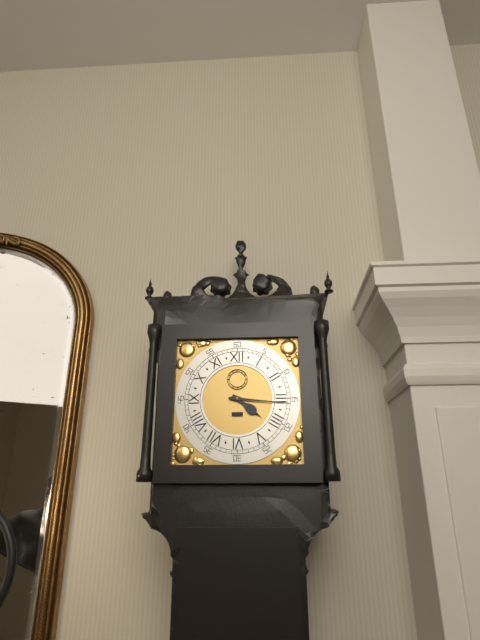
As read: {"hour": 4, "minute": 16}
